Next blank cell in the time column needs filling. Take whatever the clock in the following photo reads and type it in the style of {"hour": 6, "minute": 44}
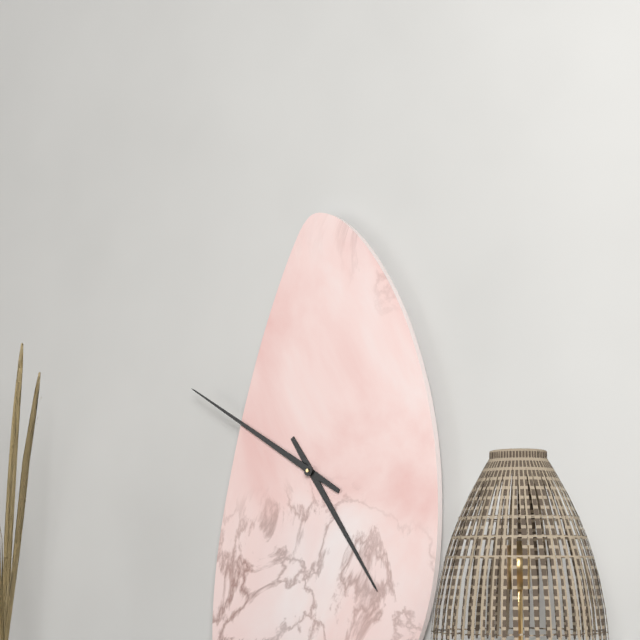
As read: {"hour": 4, "minute": 50}
